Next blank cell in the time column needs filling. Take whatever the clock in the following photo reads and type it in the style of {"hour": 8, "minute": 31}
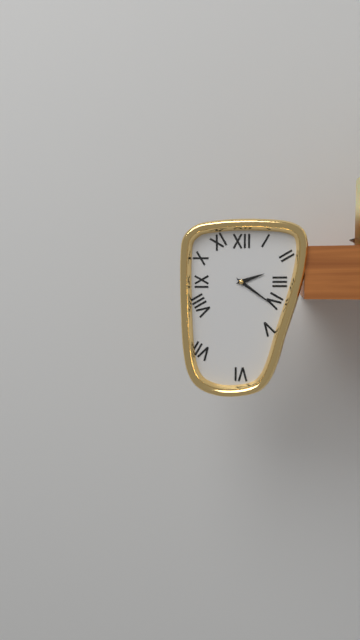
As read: {"hour": 2, "minute": 21}
